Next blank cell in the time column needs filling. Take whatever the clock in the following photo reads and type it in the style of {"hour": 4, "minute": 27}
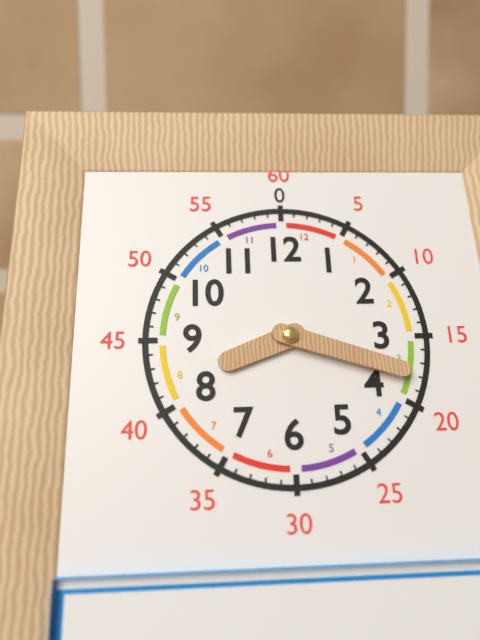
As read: {"hour": 8, "minute": 18}
